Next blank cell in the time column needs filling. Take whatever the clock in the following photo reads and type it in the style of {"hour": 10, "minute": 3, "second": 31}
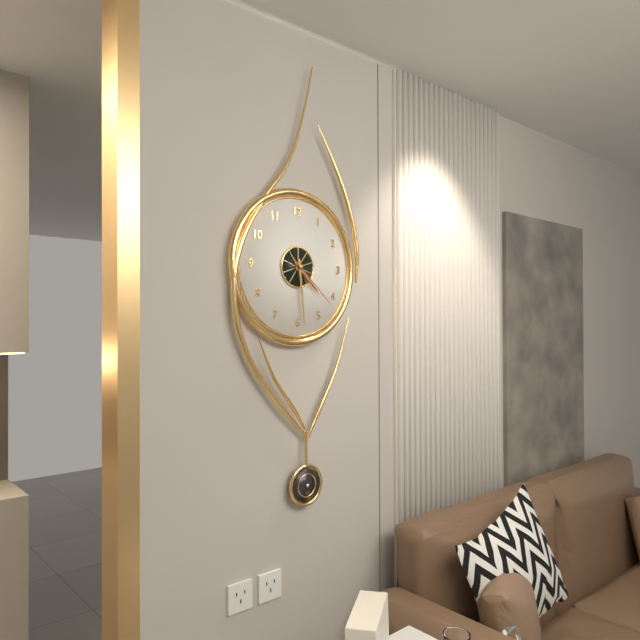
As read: {"hour": 4, "minute": 29, "second": 22}
